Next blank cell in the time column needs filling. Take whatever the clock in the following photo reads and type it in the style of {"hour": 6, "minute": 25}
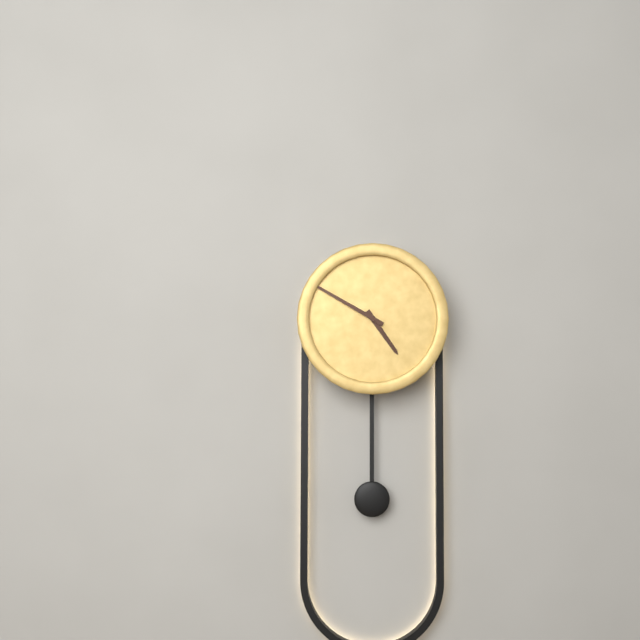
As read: {"hour": 4, "minute": 50}
